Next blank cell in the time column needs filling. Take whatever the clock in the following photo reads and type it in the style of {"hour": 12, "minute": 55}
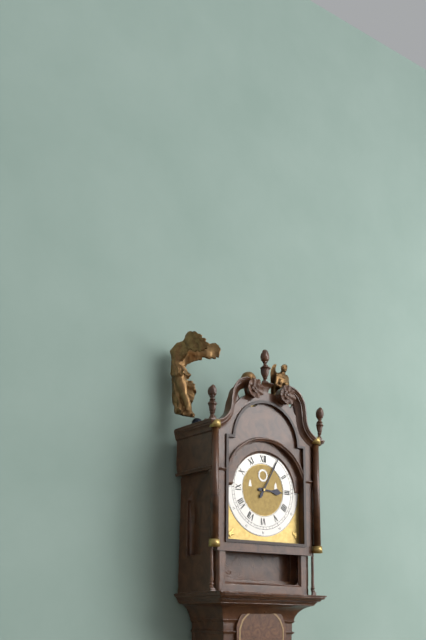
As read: {"hour": 3, "minute": 5}
